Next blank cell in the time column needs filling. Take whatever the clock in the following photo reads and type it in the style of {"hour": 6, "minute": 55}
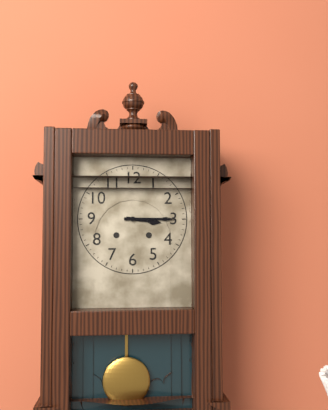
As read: {"hour": 3, "minute": 15}
